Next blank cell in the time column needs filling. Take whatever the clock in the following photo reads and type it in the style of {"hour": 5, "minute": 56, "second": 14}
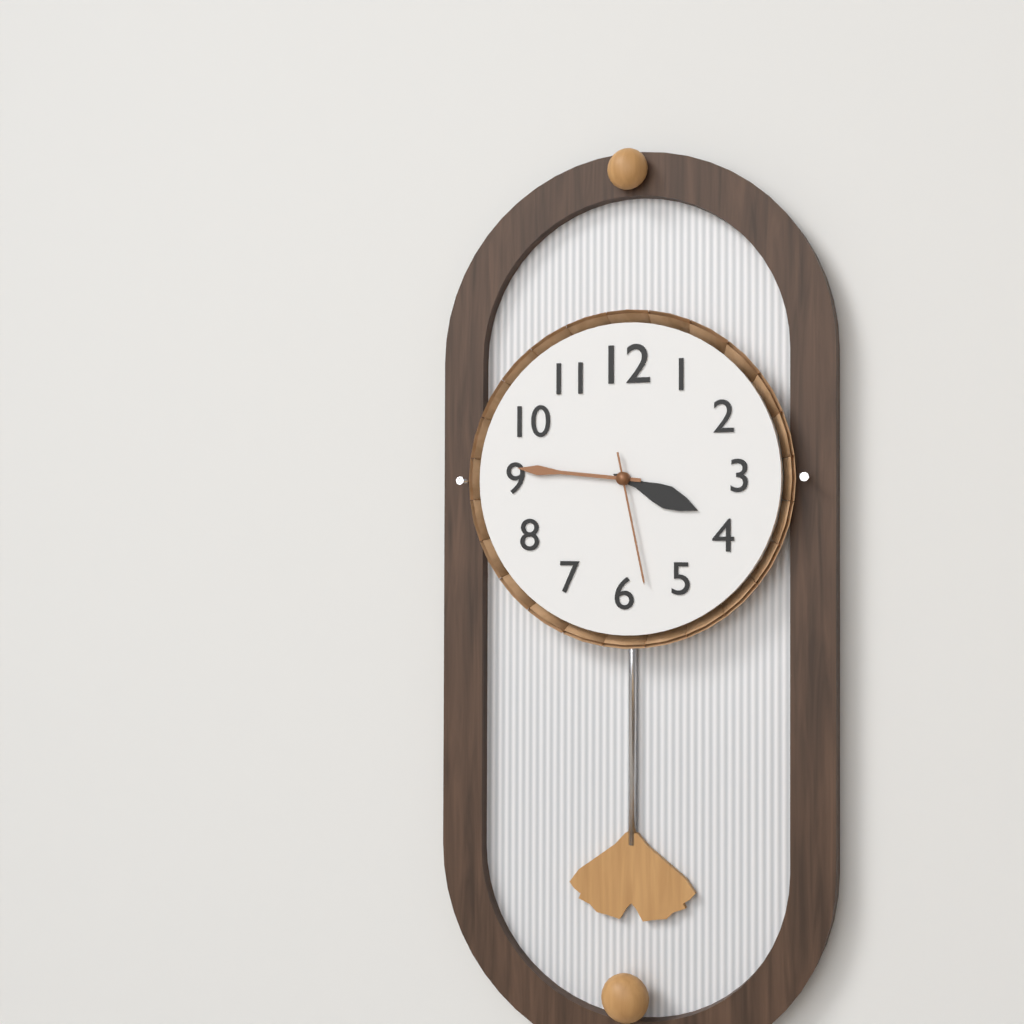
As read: {"hour": 3, "minute": 46, "second": 28}
